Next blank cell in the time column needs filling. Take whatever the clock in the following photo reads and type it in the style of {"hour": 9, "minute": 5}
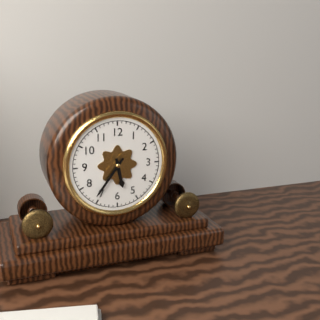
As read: {"hour": 5, "minute": 36}
